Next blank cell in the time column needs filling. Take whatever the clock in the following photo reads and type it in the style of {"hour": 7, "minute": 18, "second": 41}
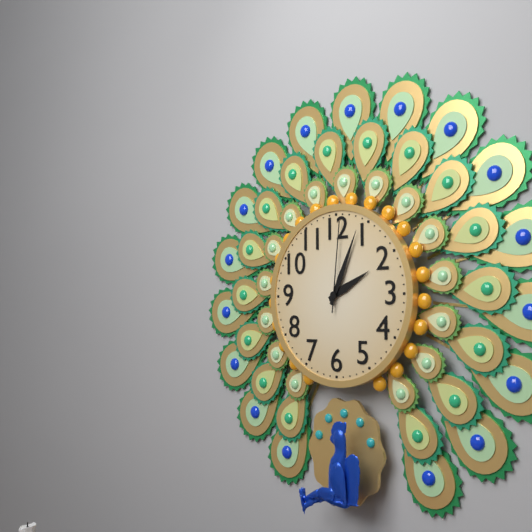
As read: {"hour": 2, "minute": 4, "second": 1}
